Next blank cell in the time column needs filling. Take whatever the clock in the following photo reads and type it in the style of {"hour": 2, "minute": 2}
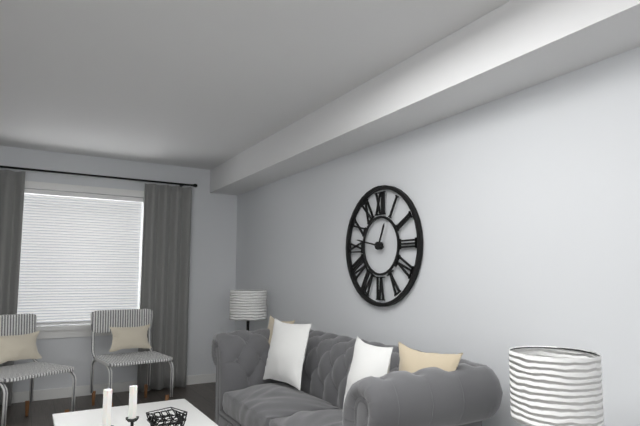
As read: {"hour": 12, "minute": 47}
